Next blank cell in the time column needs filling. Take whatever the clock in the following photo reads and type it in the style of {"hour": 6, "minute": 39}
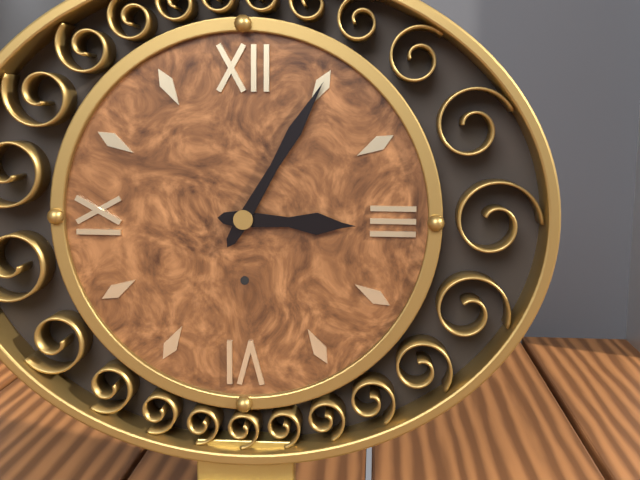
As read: {"hour": 3, "minute": 5}
